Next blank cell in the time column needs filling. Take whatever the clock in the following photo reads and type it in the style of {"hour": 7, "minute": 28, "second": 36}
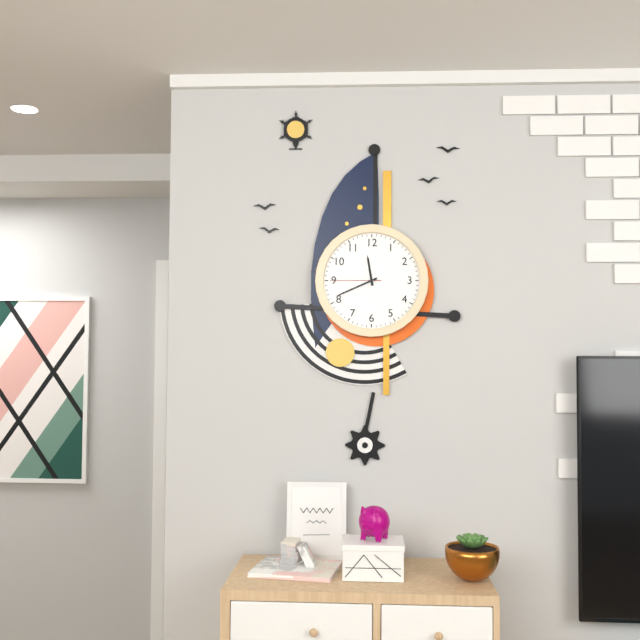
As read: {"hour": 11, "minute": 41, "second": 45}
